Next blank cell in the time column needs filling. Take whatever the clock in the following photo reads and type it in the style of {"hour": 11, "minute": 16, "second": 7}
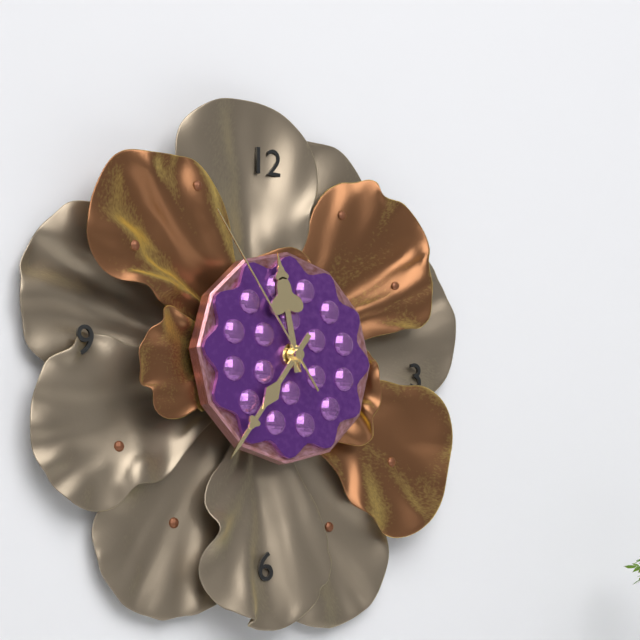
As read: {"hour": 11, "minute": 36, "second": 54}
